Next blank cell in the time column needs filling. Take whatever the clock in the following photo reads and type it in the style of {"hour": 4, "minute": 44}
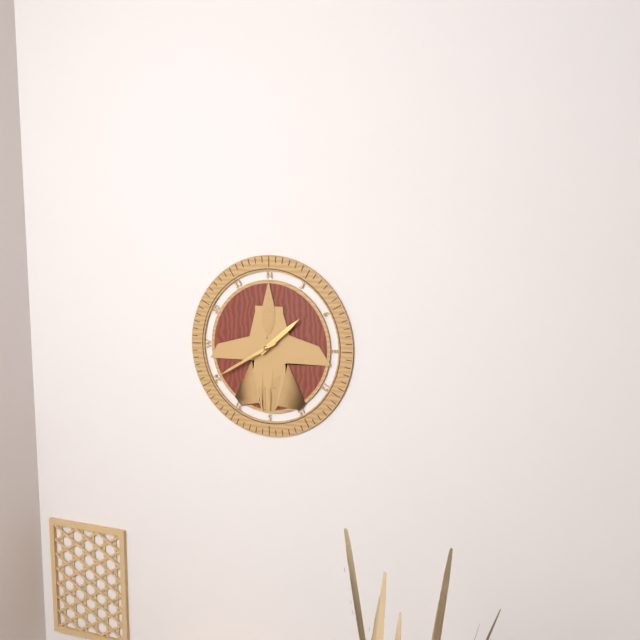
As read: {"hour": 1, "minute": 40}
